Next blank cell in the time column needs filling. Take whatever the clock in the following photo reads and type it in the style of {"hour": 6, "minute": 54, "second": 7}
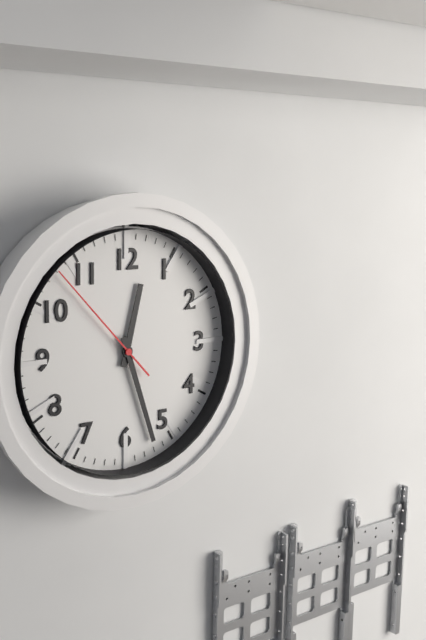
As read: {"hour": 12, "minute": 27, "second": 53}
